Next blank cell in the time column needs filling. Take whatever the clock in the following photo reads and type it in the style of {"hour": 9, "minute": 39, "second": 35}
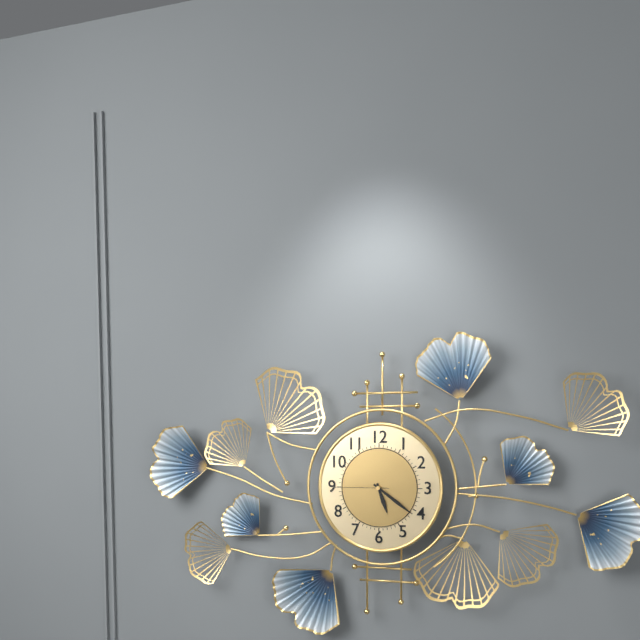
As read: {"hour": 5, "minute": 21, "second": 45}
